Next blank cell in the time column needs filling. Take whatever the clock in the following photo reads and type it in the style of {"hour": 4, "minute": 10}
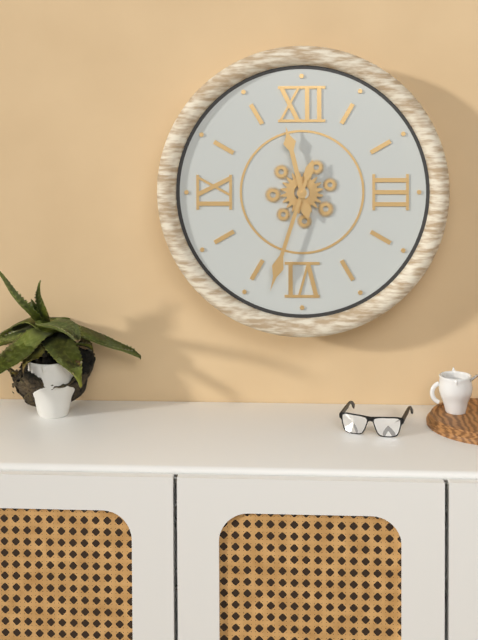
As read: {"hour": 11, "minute": 33}
